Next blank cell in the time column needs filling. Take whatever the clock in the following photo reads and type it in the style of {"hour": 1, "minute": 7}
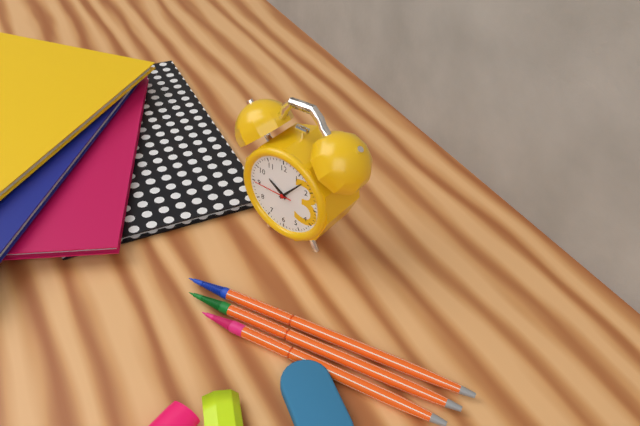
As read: {"hour": 10, "minute": 7}
